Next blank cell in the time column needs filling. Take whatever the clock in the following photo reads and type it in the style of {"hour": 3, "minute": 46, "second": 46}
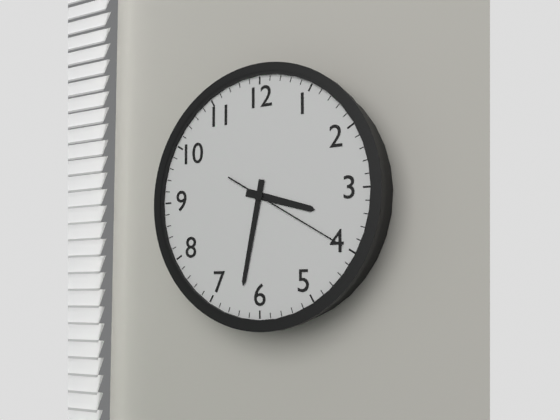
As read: {"hour": 3, "minute": 32, "second": 20}
